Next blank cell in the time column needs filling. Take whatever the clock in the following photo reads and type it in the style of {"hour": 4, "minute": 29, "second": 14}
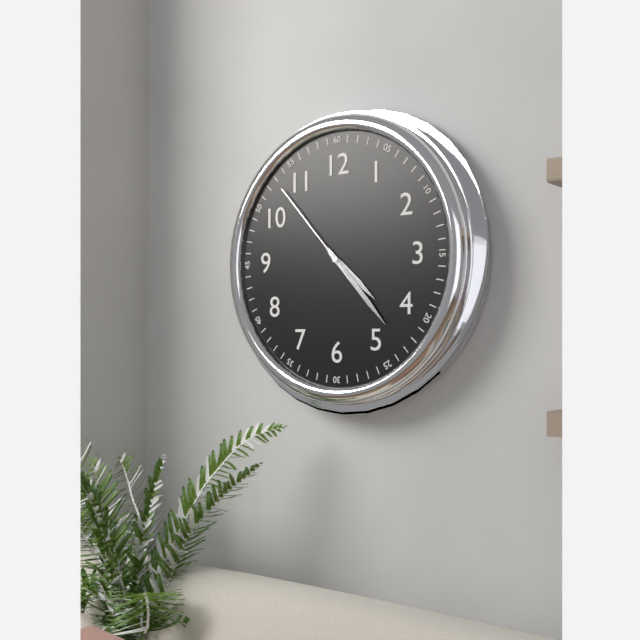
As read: {"hour": 4, "minute": 23, "second": 53}
